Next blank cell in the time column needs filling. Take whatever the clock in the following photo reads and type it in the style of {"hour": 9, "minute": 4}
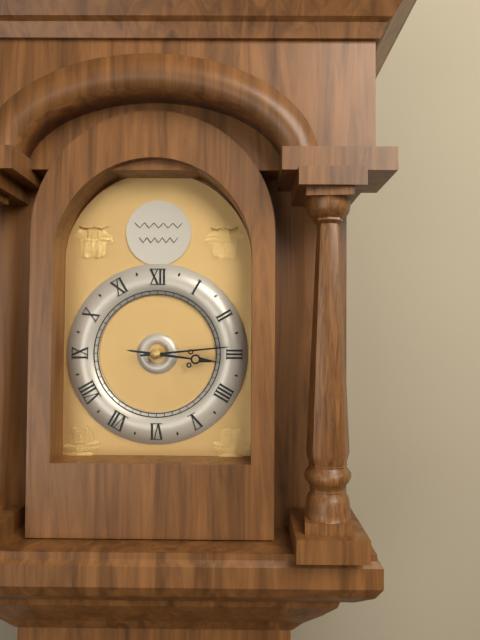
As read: {"hour": 3, "minute": 14}
